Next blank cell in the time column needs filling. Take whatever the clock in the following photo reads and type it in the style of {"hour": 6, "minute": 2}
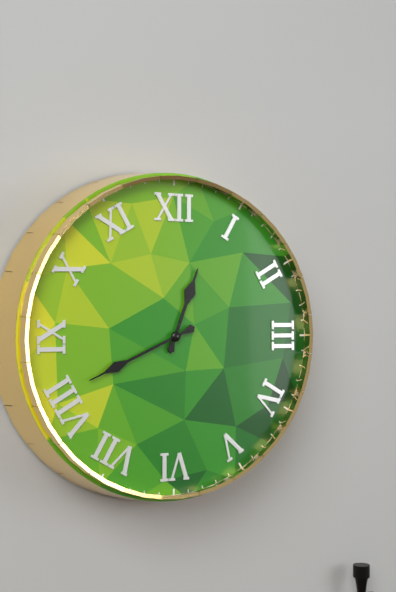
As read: {"hour": 12, "minute": 41}
